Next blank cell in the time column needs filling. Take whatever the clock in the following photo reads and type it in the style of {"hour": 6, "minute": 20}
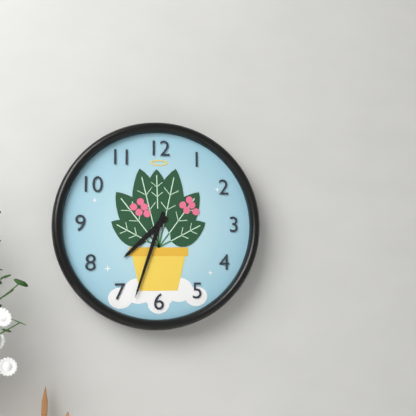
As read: {"hour": 7, "minute": 33}
